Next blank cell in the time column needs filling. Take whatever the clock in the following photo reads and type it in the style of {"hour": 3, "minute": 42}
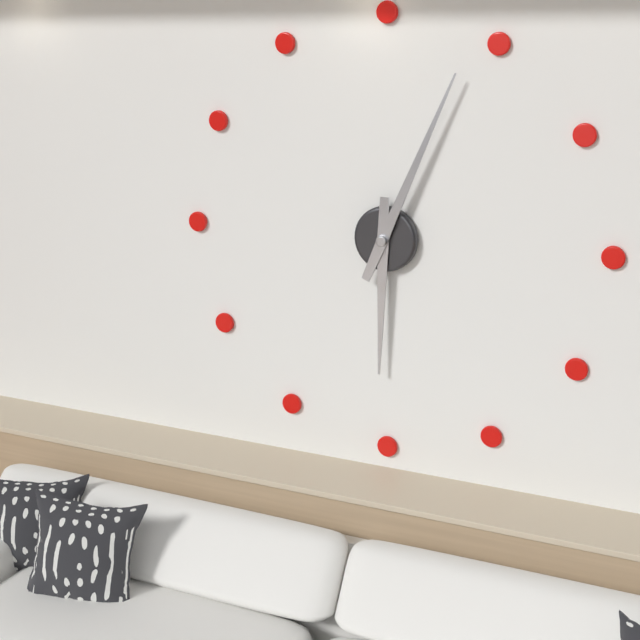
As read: {"hour": 6, "minute": 4}
